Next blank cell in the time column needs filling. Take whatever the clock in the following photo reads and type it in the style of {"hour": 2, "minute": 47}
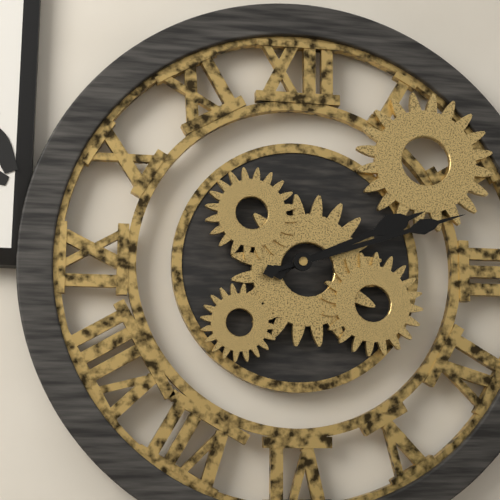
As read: {"hour": 2, "minute": 12}
